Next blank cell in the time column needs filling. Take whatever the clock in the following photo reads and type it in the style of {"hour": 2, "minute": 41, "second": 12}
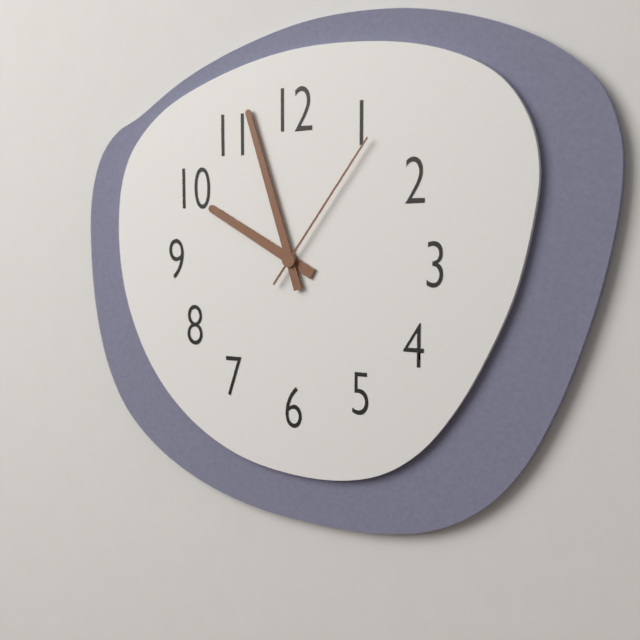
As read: {"hour": 9, "minute": 57, "second": 6}
